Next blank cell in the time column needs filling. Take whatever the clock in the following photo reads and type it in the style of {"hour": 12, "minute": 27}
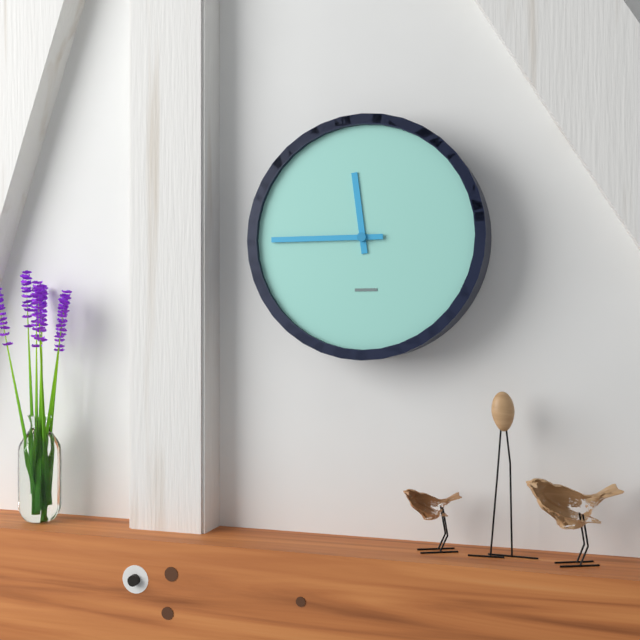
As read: {"hour": 11, "minute": 45}
